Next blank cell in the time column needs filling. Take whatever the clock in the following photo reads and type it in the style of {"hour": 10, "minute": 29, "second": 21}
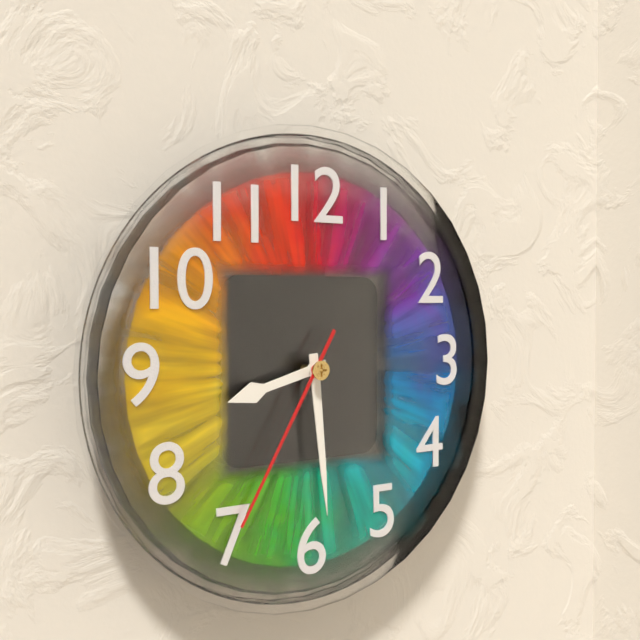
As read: {"hour": 8, "minute": 29, "second": 35}
